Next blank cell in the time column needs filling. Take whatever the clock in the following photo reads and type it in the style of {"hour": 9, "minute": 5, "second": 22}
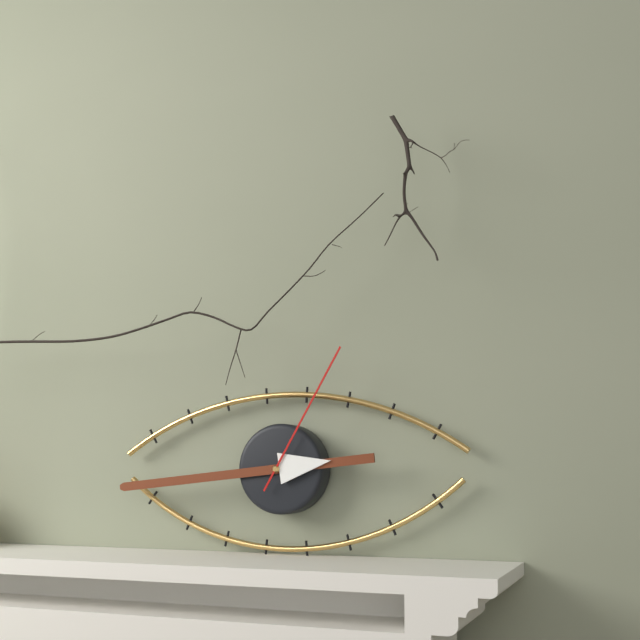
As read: {"hour": 2, "minute": 44, "second": 5}
